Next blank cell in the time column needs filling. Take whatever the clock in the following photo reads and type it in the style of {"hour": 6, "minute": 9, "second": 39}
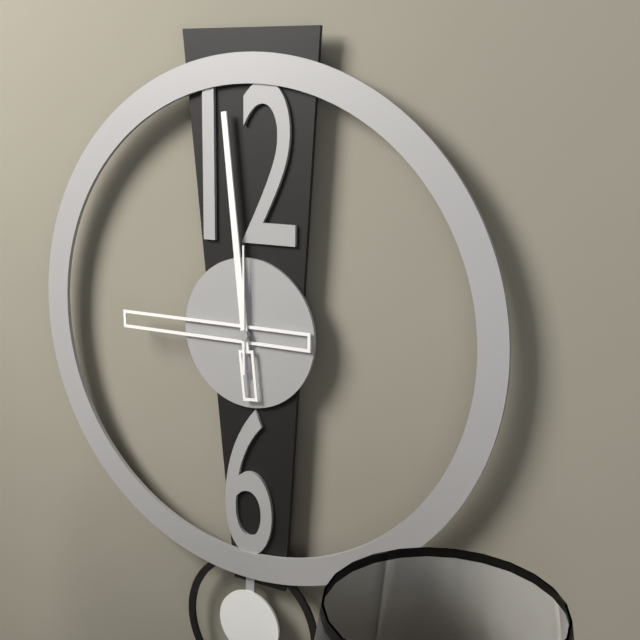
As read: {"hour": 8, "minute": 59, "second": 0}
